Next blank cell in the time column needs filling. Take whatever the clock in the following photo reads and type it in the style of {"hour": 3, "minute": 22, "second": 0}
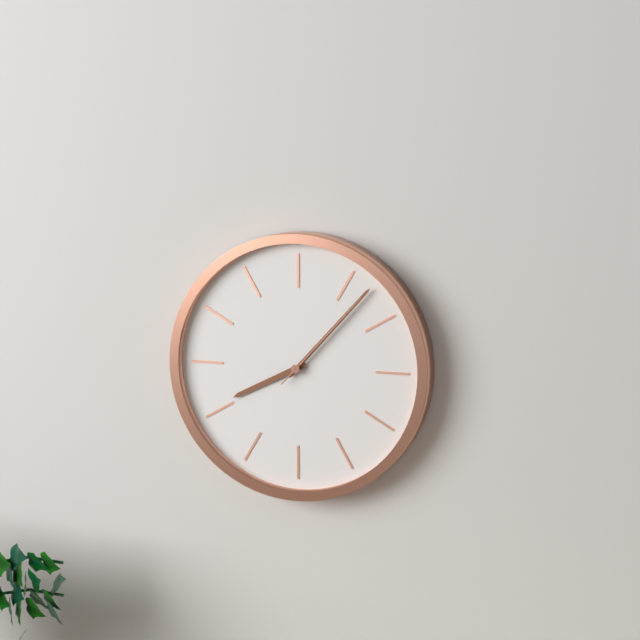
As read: {"hour": 8, "minute": 7, "second": 7}
